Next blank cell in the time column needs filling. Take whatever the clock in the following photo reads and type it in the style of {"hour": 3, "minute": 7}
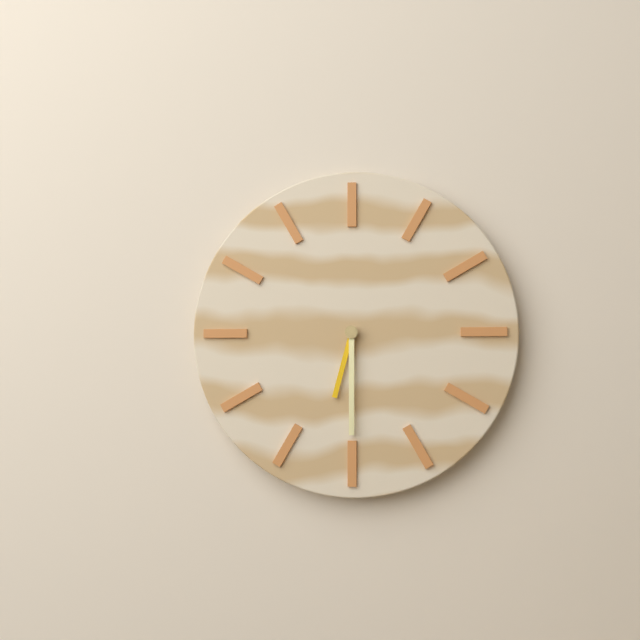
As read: {"hour": 6, "minute": 30}
